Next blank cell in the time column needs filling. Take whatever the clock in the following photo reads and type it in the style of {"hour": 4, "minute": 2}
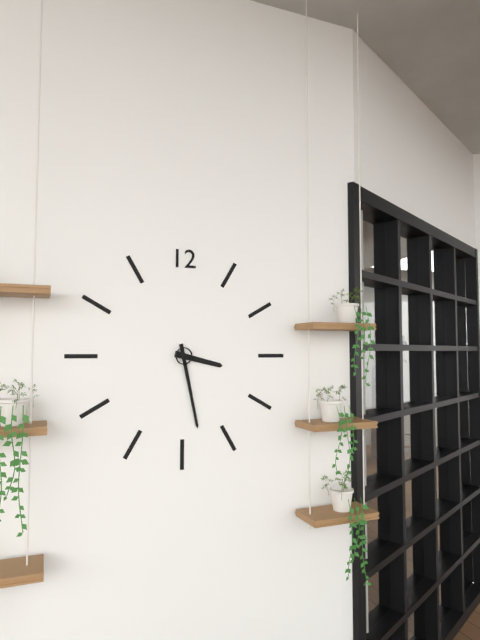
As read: {"hour": 3, "minute": 28}
